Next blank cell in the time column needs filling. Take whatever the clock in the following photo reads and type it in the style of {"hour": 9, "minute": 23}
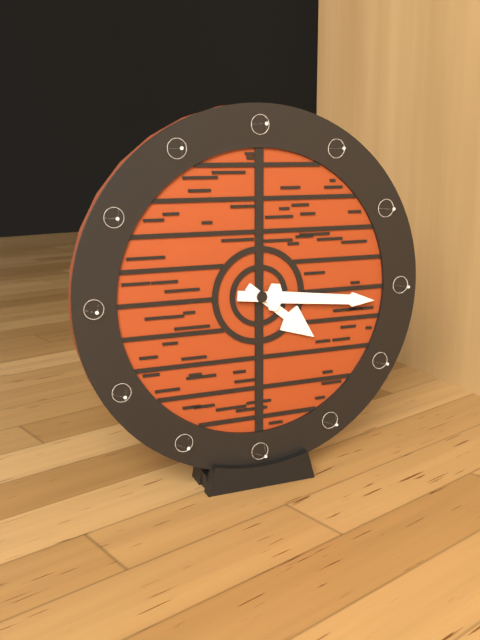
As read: {"hour": 4, "minute": 16}
